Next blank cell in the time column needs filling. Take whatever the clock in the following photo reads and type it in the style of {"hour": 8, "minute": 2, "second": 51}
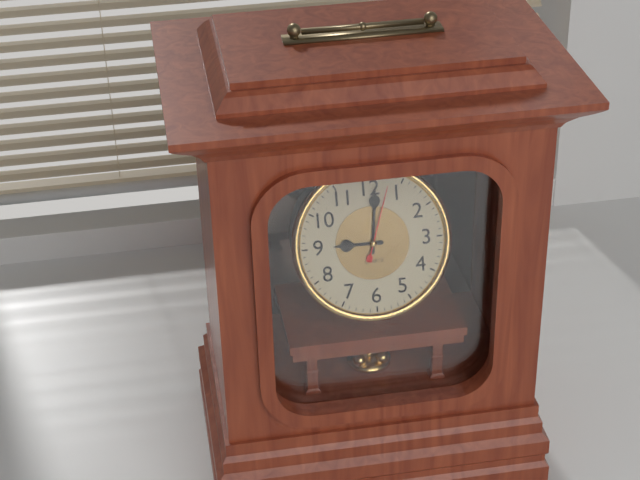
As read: {"hour": 9, "minute": 1, "second": 3}
